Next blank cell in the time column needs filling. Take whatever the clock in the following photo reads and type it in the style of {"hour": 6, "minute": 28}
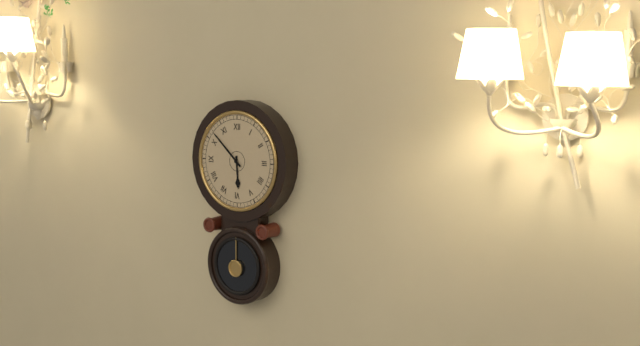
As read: {"hour": 5, "minute": 52}
